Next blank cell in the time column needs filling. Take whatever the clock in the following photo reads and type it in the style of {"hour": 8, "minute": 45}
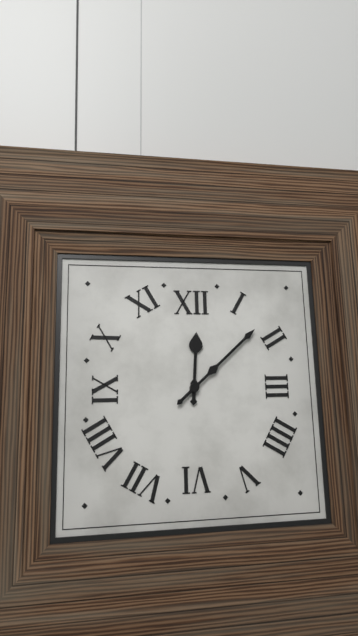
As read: {"hour": 12, "minute": 8}
